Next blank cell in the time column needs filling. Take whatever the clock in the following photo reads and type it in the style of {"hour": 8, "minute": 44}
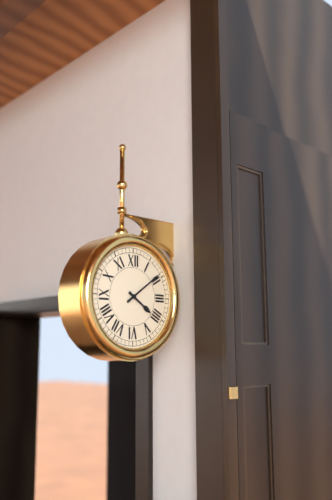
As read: {"hour": 4, "minute": 9}
